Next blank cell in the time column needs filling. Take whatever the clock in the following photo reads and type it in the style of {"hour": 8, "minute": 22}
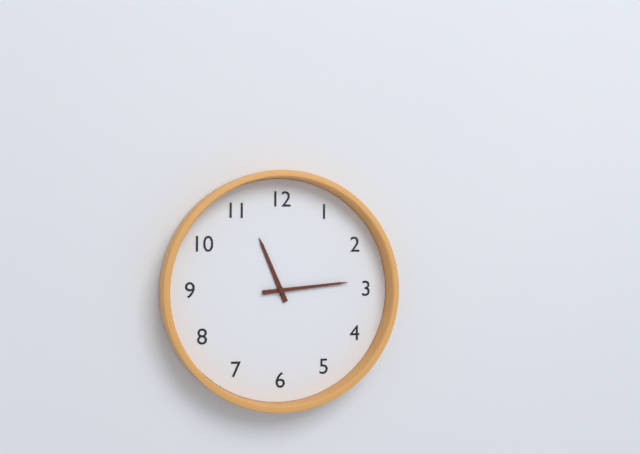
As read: {"hour": 11, "minute": 14}
